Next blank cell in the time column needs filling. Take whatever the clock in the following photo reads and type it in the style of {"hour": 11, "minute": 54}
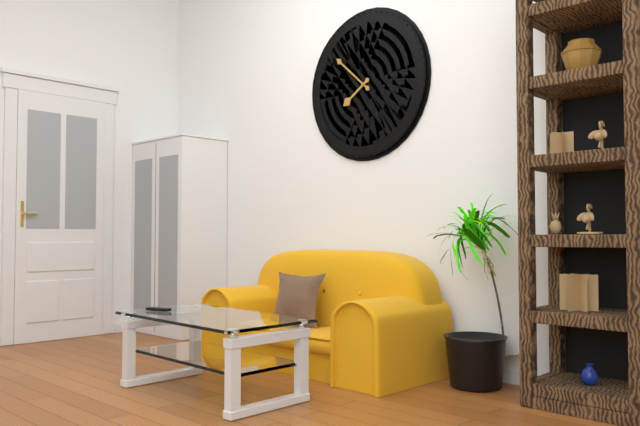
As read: {"hour": 7, "minute": 52}
